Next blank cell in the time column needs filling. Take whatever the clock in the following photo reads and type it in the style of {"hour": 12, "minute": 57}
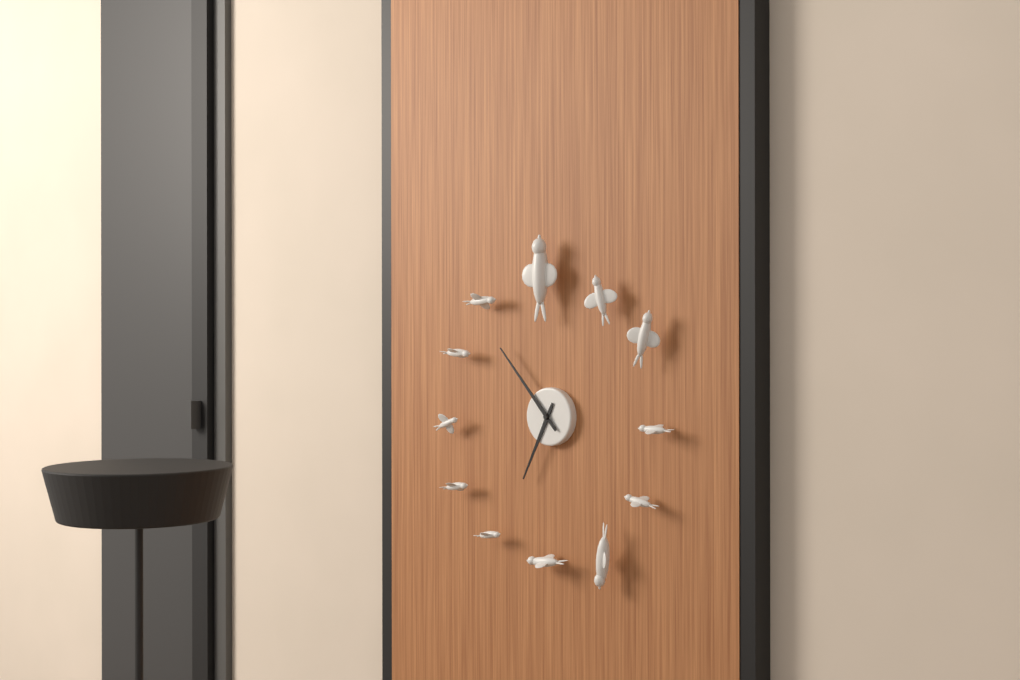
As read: {"hour": 6, "minute": 53}
